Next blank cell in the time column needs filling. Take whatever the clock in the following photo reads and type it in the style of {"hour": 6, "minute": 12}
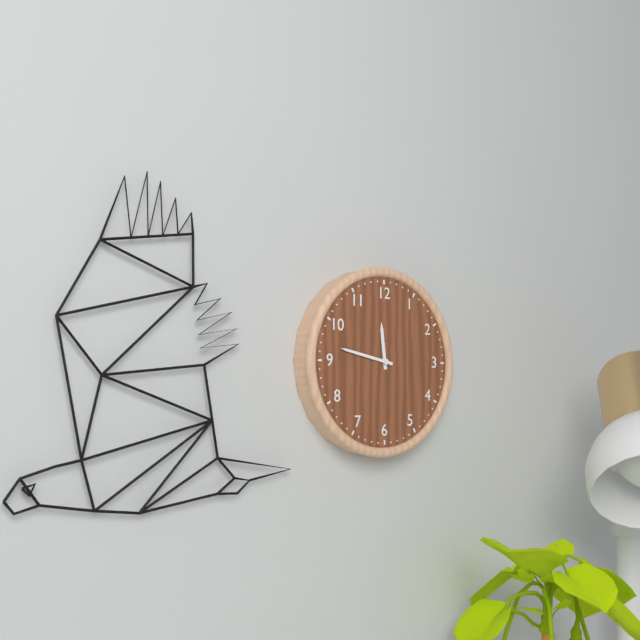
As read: {"hour": 11, "minute": 47}
